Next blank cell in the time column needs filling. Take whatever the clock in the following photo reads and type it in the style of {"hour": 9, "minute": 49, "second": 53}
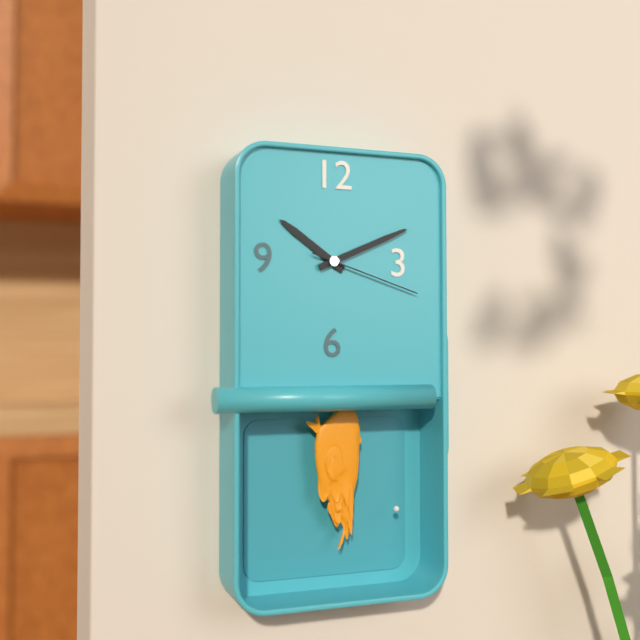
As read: {"hour": 10, "minute": 11, "second": 18}
